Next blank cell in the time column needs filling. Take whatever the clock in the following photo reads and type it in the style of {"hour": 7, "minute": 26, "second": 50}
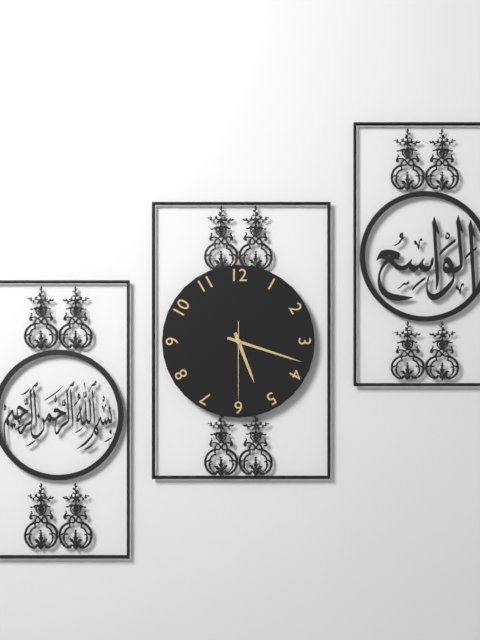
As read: {"hour": 5, "minute": 18, "second": 30}
